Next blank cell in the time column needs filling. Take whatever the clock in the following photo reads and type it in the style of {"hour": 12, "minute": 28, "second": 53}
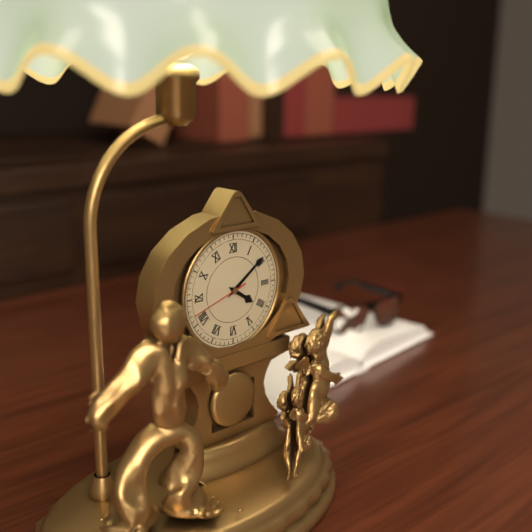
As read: {"hour": 4, "minute": 9, "second": 42}
